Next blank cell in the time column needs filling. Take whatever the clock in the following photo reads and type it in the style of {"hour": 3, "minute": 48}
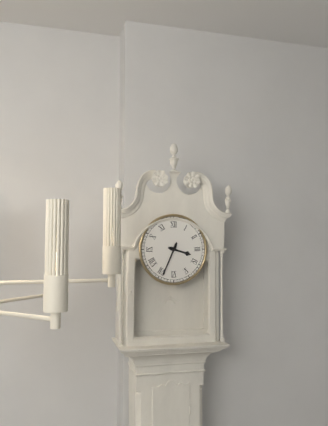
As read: {"hour": 3, "minute": 34}
